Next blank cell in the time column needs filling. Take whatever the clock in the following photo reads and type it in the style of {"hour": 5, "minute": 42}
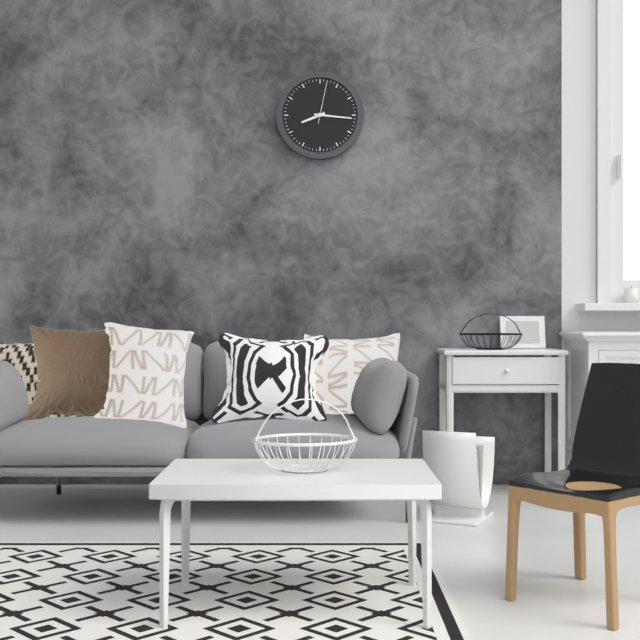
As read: {"hour": 8, "minute": 16}
